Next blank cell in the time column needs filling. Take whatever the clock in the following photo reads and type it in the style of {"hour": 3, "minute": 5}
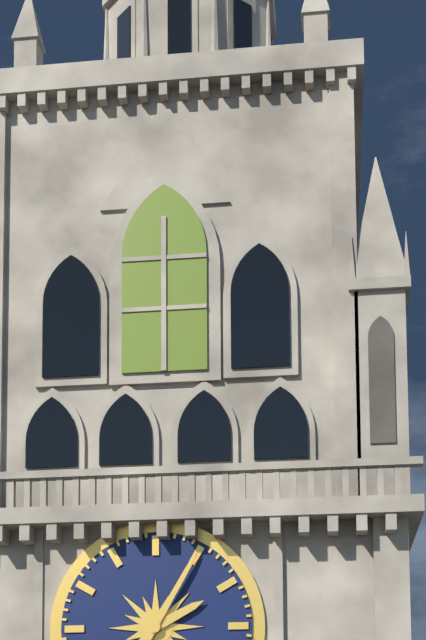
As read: {"hour": 2, "minute": 5}
